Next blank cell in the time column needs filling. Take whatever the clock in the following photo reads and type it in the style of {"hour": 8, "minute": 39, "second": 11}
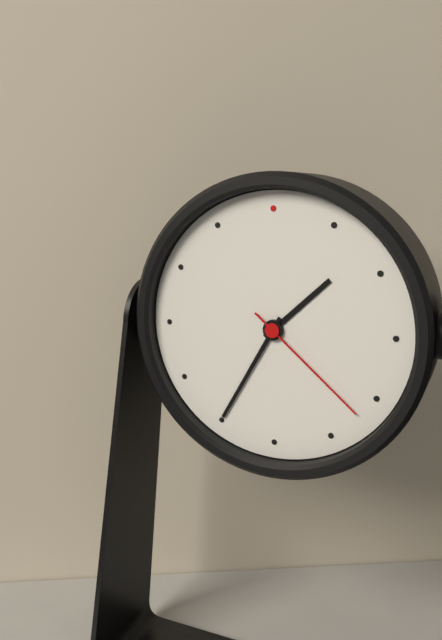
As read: {"hour": 1, "minute": 35, "second": 22}
